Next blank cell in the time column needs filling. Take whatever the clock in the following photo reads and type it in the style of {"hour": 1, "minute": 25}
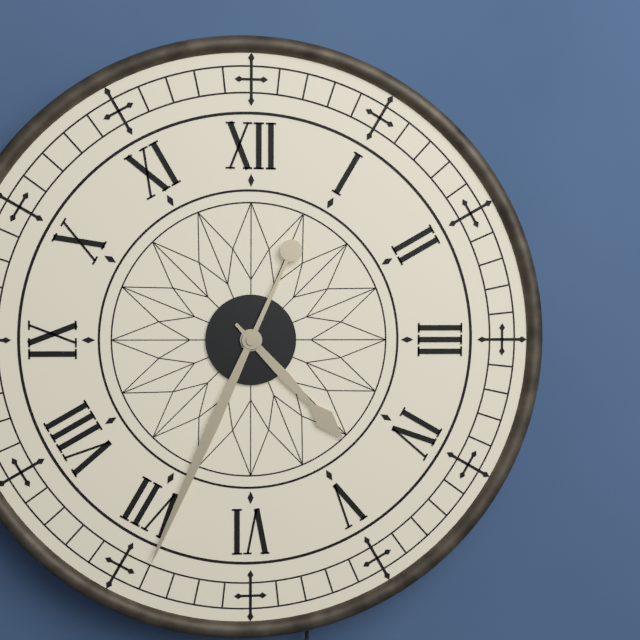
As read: {"hour": 4, "minute": 34}
